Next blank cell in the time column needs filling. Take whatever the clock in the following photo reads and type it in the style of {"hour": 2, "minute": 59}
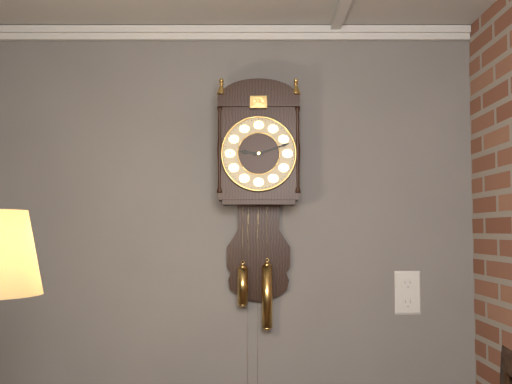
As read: {"hour": 9, "minute": 12}
